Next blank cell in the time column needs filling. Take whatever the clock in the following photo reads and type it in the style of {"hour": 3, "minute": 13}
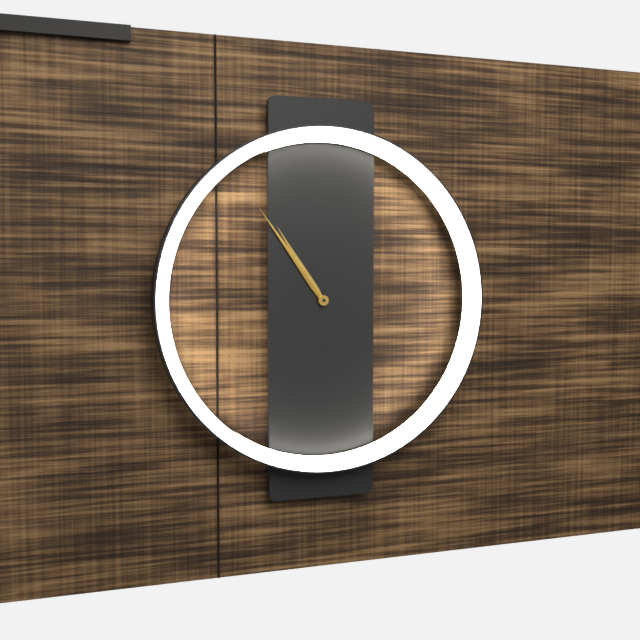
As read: {"hour": 10, "minute": 54}
